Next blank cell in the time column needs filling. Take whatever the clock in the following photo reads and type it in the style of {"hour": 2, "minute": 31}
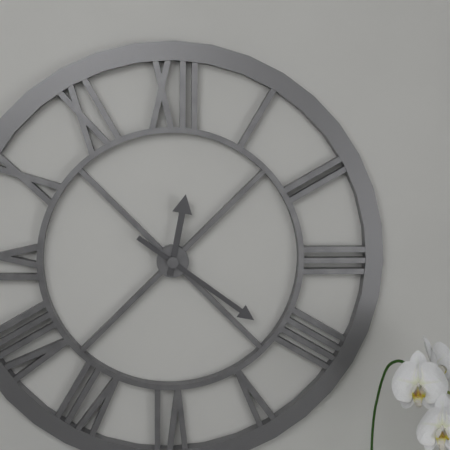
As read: {"hour": 12, "minute": 21}
